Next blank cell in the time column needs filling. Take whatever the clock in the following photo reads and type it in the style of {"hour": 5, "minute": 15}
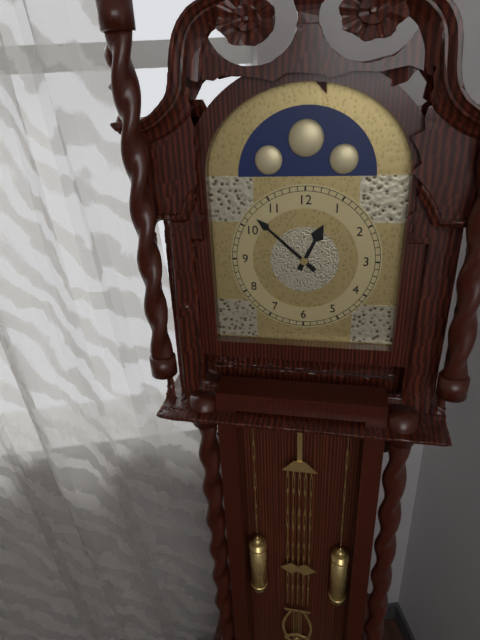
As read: {"hour": 12, "minute": 52}
